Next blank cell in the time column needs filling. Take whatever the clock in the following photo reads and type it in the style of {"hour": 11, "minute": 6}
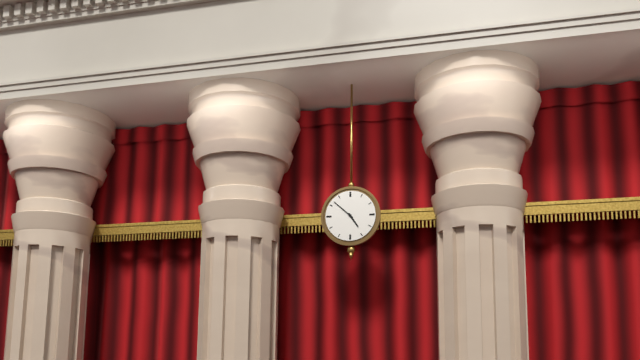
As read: {"hour": 4, "minute": 52}
